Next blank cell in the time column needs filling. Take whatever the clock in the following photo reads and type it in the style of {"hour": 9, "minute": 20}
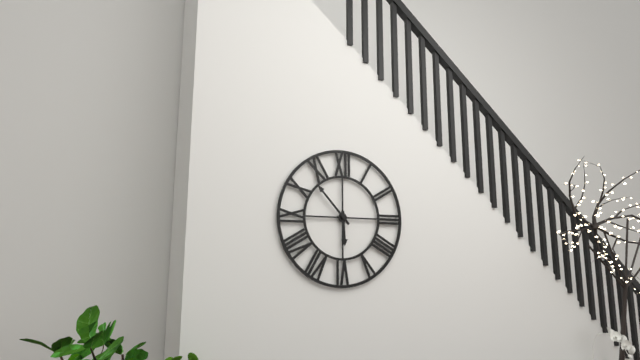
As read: {"hour": 5, "minute": 53}
